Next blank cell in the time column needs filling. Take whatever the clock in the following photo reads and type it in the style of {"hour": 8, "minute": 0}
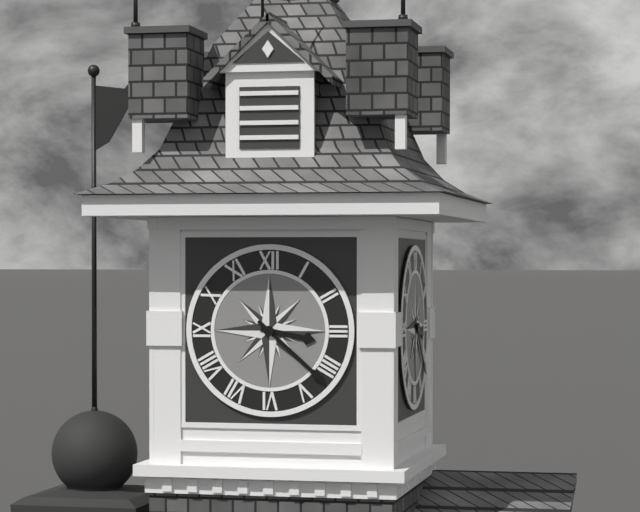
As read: {"hour": 3, "minute": 22}
